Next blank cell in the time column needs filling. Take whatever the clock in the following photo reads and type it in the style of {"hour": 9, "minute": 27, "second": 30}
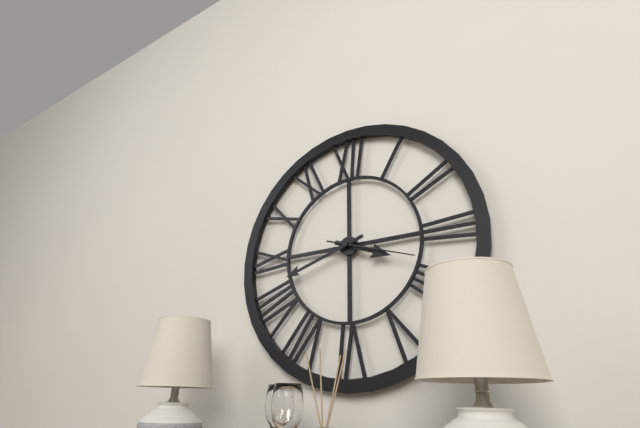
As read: {"hour": 3, "minute": 42, "second": 18}
